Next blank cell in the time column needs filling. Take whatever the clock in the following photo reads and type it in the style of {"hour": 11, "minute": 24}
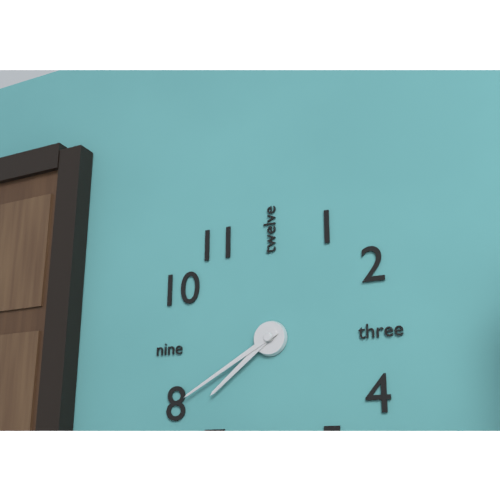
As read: {"hour": 7, "minute": 40}
